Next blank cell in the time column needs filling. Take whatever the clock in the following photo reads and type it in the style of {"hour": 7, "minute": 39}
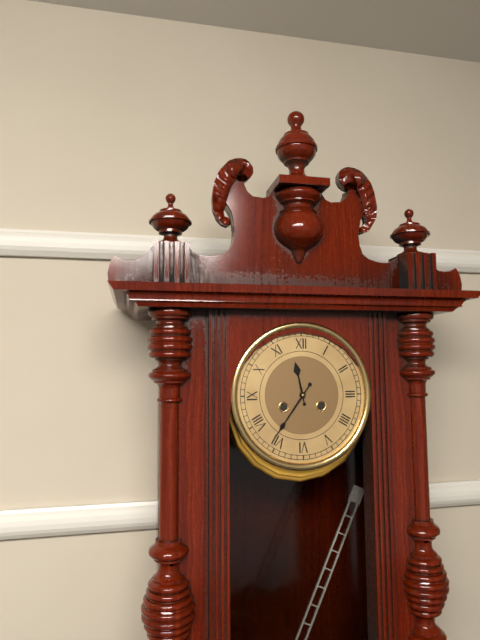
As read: {"hour": 11, "minute": 36}
